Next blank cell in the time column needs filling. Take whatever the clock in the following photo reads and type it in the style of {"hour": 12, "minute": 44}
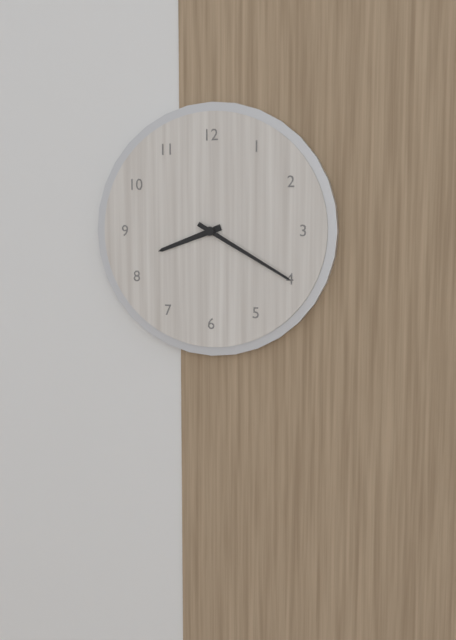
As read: {"hour": 8, "minute": 20}
